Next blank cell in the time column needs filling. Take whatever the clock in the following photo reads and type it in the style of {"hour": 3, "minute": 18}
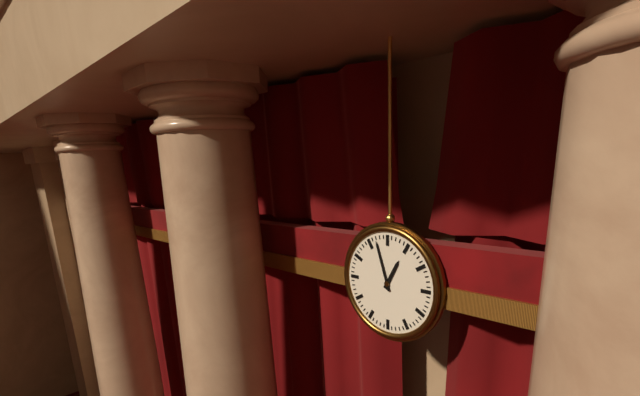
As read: {"hour": 12, "minute": 57}
